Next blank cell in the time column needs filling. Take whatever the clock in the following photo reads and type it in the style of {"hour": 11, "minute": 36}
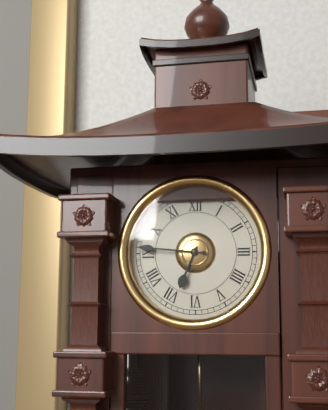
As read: {"hour": 6, "minute": 46}
